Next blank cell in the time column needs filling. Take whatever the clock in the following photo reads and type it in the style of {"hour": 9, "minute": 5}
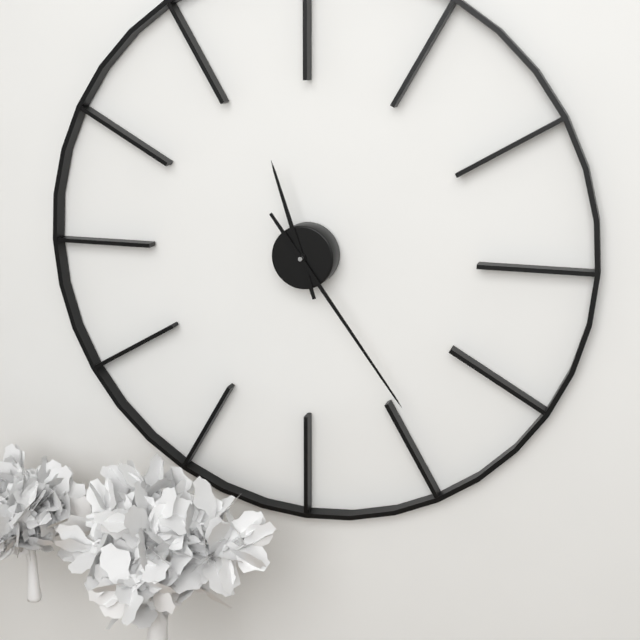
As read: {"hour": 11, "minute": 24}
